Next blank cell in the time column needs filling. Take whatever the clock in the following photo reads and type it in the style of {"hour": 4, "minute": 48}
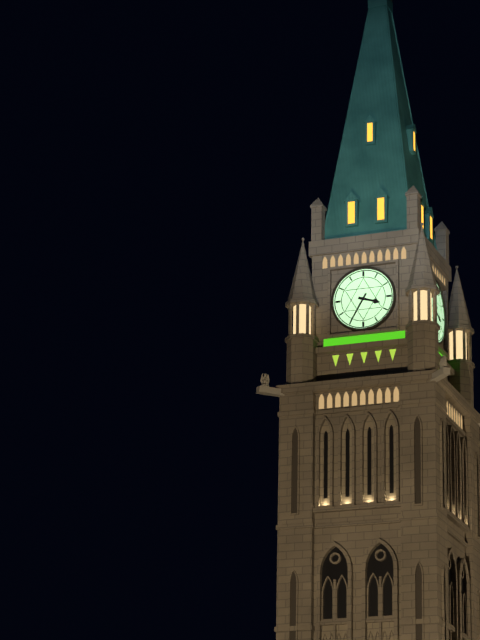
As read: {"hour": 3, "minute": 35}
